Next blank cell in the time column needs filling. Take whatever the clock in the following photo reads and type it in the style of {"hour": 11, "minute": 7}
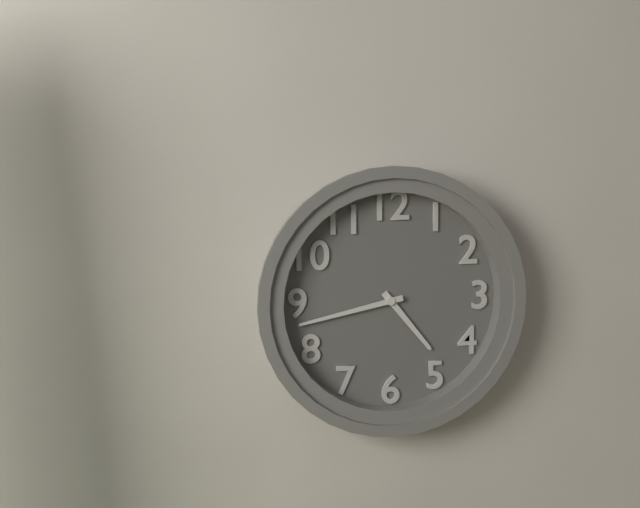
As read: {"hour": 4, "minute": 43}
